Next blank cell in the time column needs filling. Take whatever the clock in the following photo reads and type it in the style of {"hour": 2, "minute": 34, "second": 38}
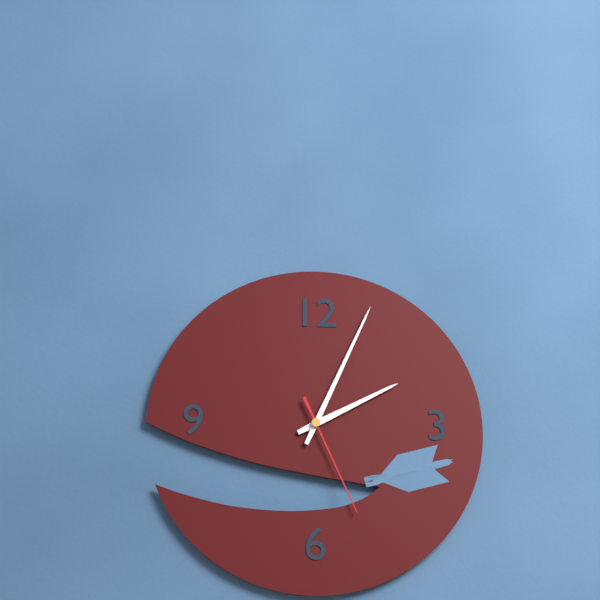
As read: {"hour": 2, "minute": 4, "second": 26}
